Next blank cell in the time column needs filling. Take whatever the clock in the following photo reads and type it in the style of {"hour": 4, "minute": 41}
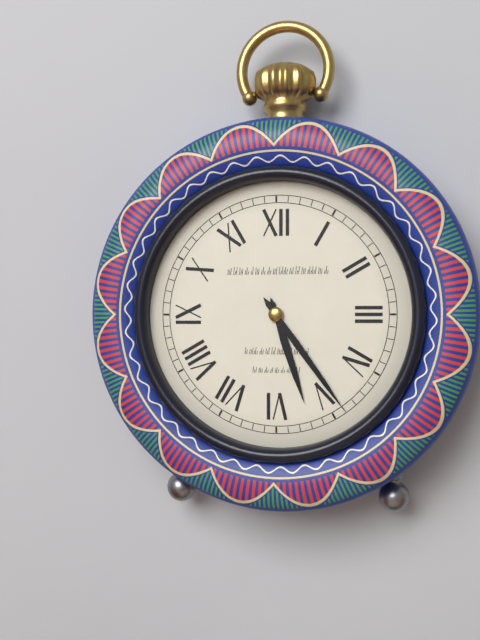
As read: {"hour": 5, "minute": 24}
